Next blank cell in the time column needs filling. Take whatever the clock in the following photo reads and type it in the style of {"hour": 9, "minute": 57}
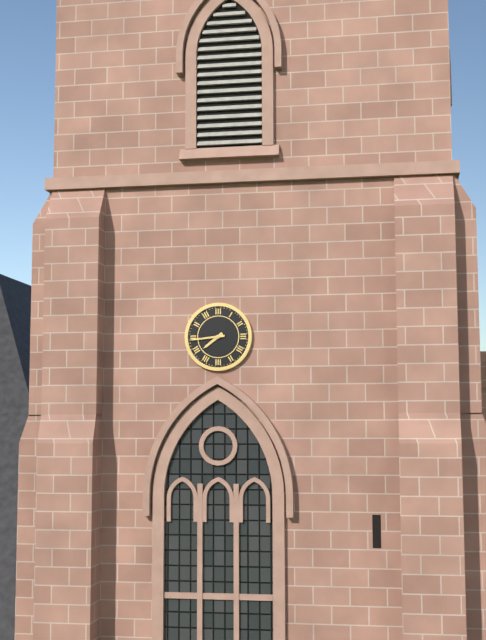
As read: {"hour": 7, "minute": 44}
